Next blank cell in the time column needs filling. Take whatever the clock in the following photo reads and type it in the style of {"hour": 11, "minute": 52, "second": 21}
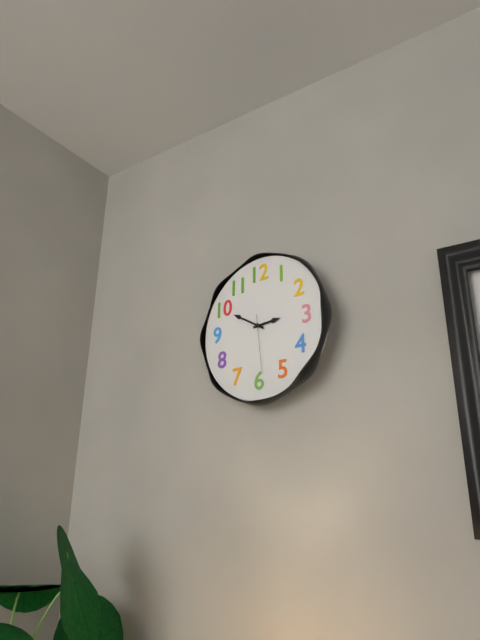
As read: {"hour": 2, "minute": 50, "second": 29}
